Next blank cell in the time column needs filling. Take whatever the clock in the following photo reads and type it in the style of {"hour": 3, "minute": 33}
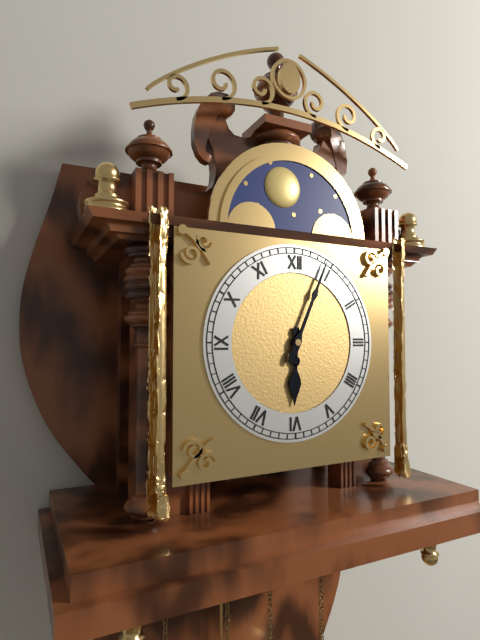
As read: {"hour": 6, "minute": 4}
